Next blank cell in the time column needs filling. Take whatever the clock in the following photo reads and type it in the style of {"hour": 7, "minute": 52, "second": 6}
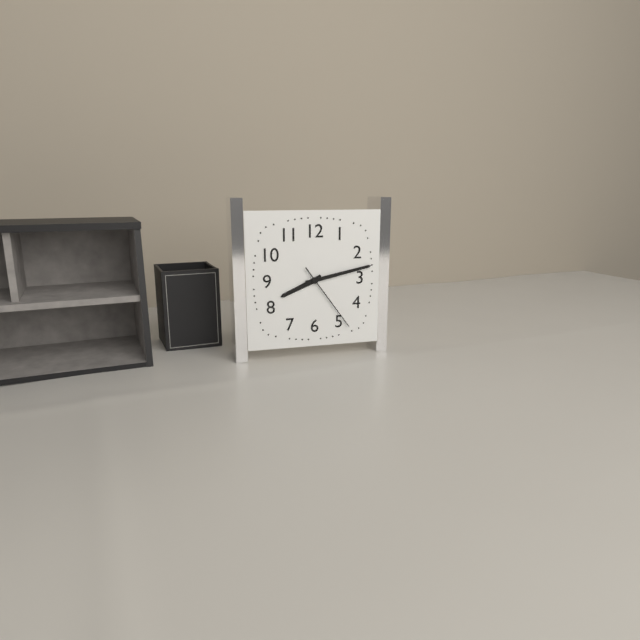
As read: {"hour": 8, "minute": 13, "second": 24}
